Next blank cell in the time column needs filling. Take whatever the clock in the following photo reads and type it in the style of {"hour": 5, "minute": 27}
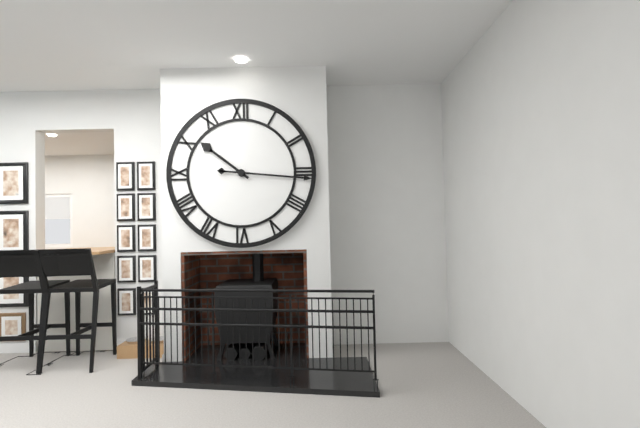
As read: {"hour": 10, "minute": 16}
